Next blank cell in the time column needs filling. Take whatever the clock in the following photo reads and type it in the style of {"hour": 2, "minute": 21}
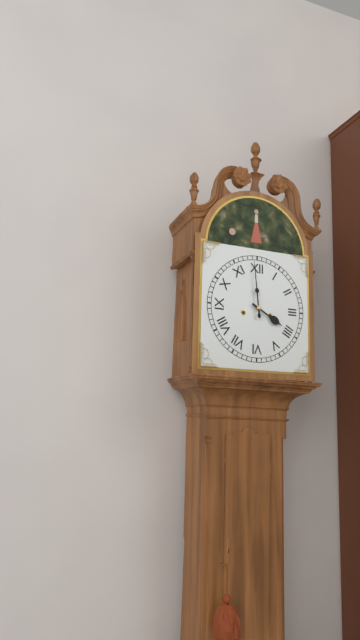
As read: {"hour": 3, "minute": 59}
